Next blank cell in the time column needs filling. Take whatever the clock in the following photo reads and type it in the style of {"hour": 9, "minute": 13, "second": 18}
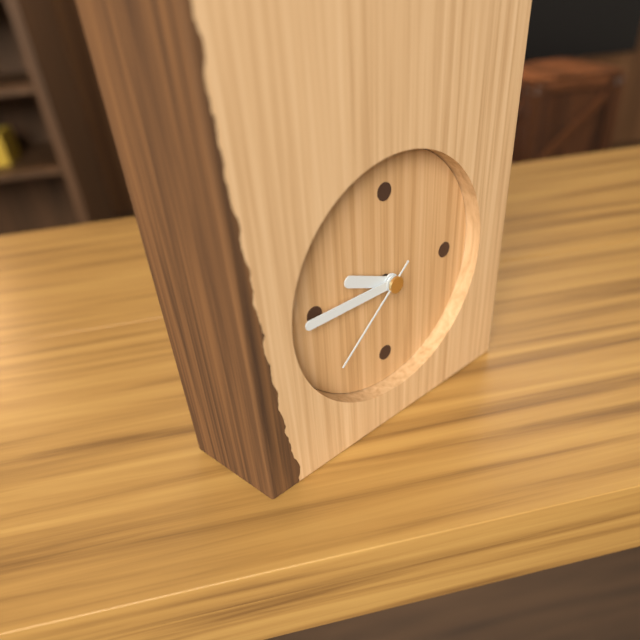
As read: {"hour": 9, "minute": 45, "second": 38}
